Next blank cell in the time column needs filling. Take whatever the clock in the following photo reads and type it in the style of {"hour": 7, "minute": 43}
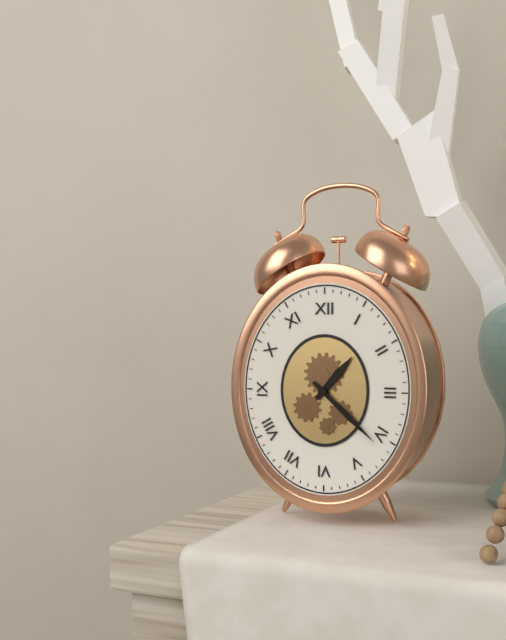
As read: {"hour": 1, "minute": 22}
